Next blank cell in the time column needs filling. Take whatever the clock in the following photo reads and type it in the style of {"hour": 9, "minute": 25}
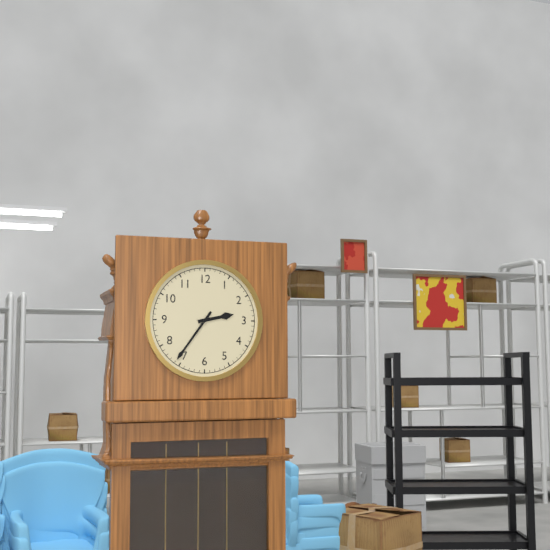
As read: {"hour": 2, "minute": 36}
